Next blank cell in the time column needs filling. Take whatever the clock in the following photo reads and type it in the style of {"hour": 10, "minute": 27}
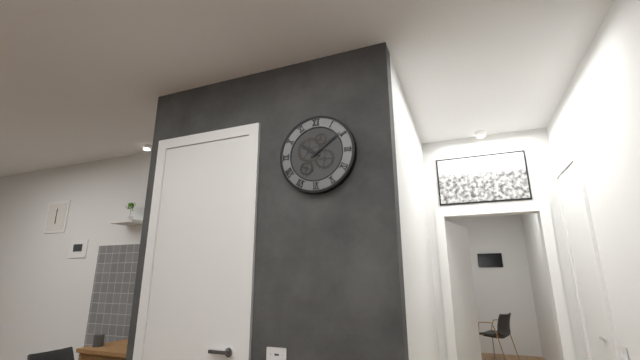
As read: {"hour": 10, "minute": 9}
